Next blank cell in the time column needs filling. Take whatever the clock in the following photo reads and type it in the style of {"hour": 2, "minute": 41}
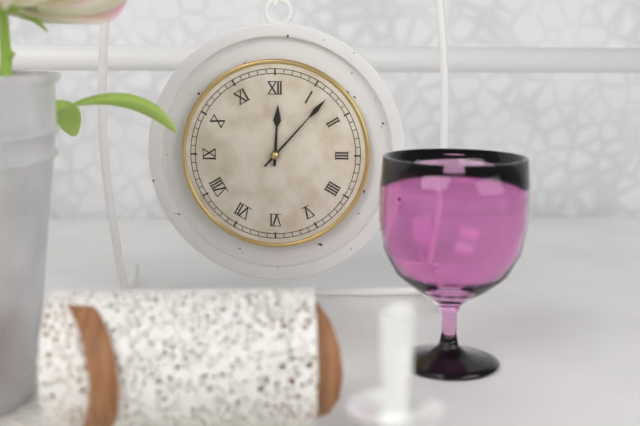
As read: {"hour": 12, "minute": 7}
